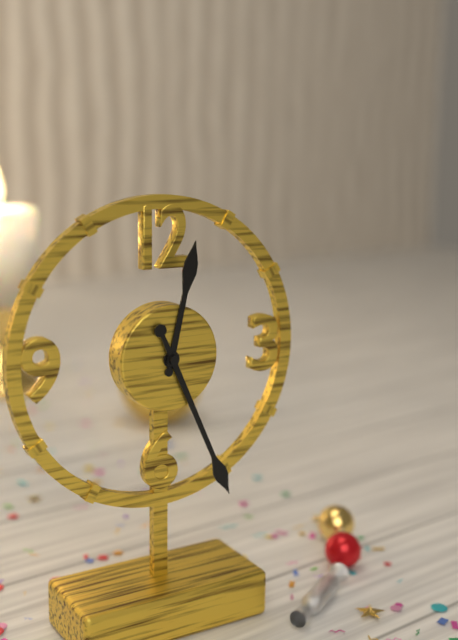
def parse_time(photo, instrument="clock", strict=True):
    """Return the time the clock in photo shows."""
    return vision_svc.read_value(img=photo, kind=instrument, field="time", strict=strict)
12:26
